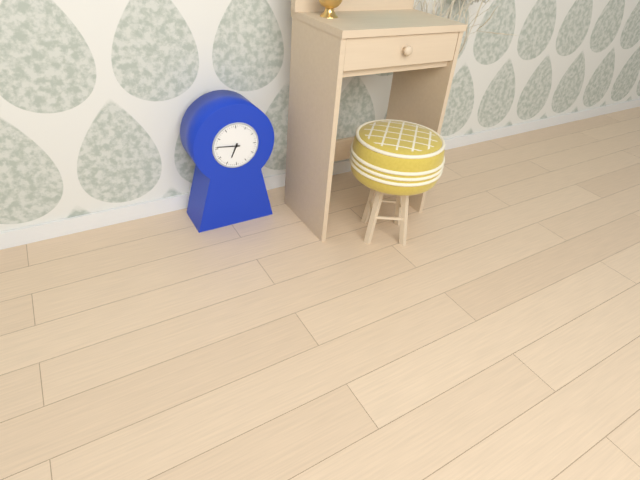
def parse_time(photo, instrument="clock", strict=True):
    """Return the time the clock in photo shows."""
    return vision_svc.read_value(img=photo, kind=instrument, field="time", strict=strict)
6:46
